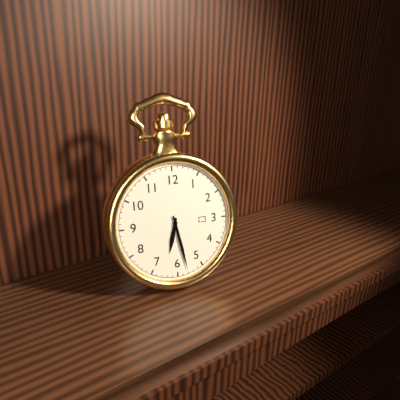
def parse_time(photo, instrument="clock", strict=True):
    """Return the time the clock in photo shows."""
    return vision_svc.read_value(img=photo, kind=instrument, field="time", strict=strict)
6:28
